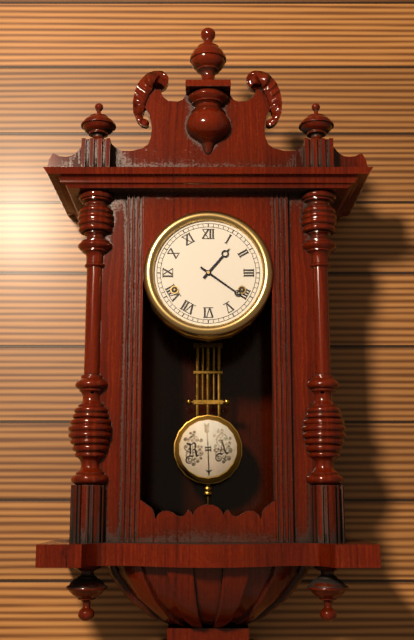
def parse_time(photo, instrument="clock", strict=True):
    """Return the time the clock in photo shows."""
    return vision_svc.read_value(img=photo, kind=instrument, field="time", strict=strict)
1:21
